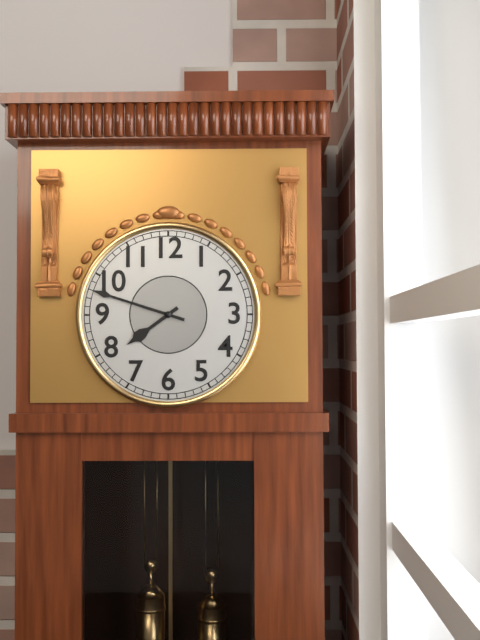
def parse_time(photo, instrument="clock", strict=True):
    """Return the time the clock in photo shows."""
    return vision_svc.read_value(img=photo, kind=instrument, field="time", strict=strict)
7:48
